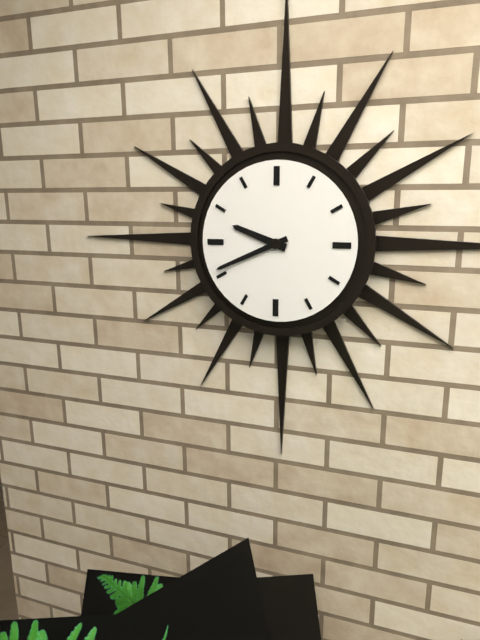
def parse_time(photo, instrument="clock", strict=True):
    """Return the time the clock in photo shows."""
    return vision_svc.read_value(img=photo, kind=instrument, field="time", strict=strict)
9:41
